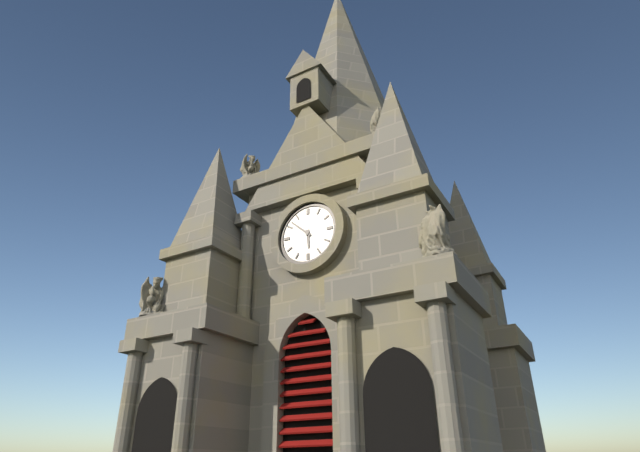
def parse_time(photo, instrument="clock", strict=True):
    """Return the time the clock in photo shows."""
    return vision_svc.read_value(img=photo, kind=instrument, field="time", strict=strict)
5:52
